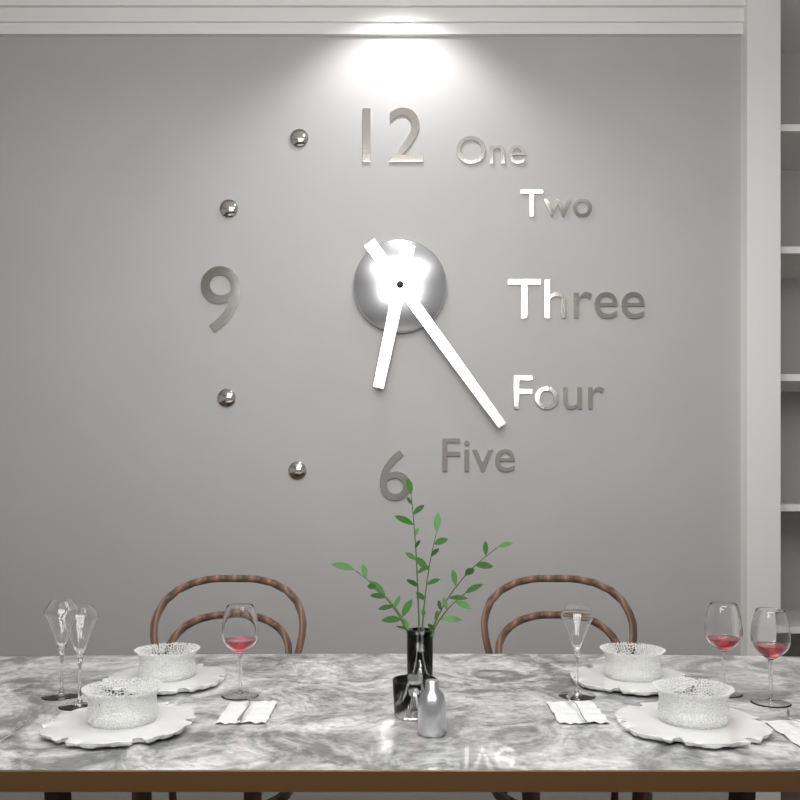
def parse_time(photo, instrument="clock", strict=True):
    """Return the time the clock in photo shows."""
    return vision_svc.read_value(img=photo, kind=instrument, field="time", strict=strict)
6:24
